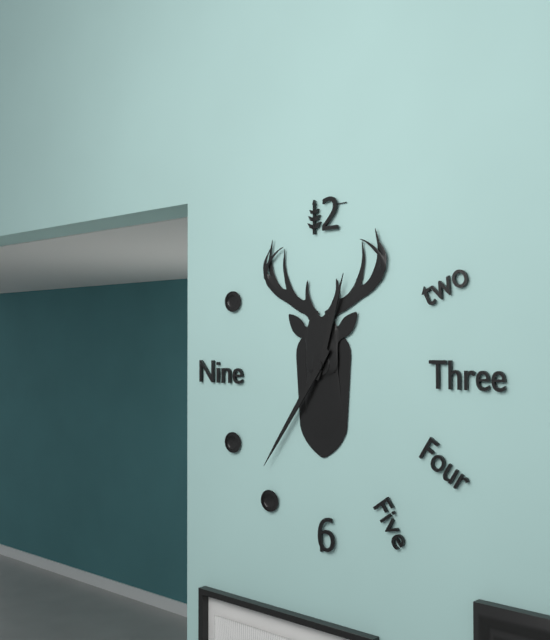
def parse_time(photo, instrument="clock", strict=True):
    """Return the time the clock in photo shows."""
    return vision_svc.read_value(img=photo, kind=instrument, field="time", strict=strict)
12:36
